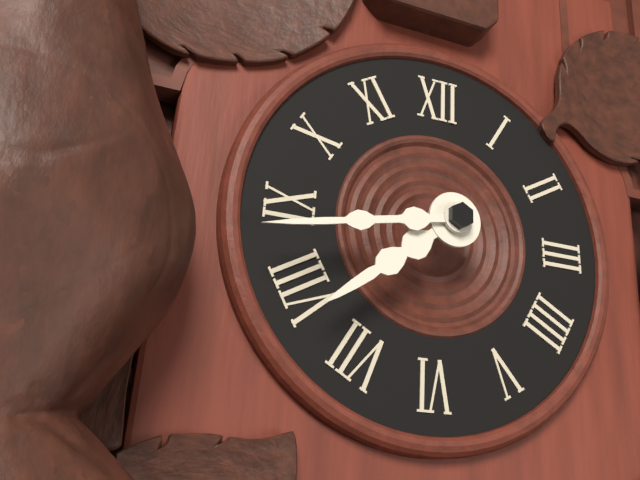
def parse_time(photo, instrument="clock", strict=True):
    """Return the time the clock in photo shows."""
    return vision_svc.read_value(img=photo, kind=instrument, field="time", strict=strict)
7:43
